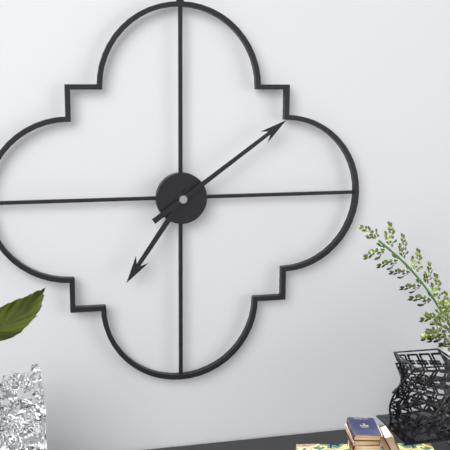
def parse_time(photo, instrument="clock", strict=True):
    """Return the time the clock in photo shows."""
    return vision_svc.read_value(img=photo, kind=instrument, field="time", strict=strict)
7:09
